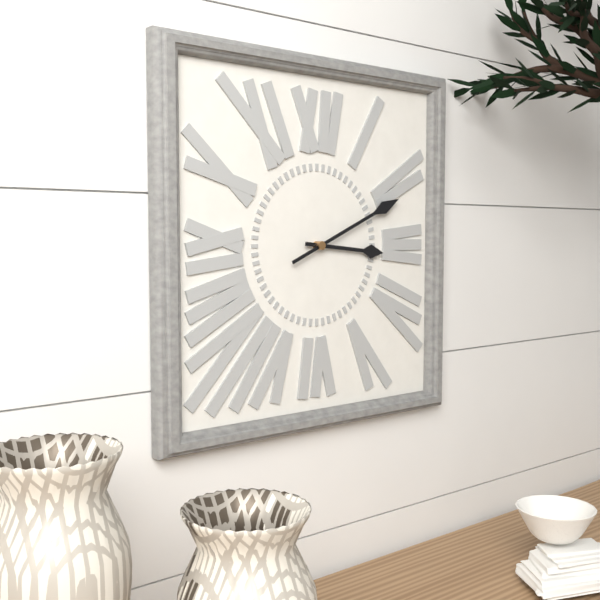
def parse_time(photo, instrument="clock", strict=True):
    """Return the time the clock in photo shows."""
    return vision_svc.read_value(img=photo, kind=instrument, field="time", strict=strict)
3:11
